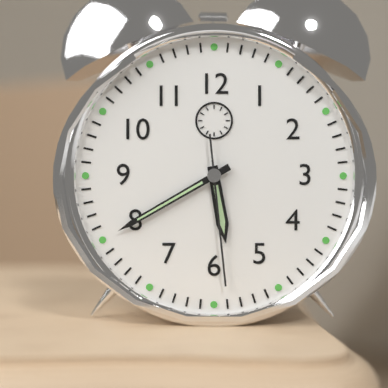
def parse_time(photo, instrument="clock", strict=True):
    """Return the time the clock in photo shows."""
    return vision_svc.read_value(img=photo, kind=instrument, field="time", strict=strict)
5:40:29
